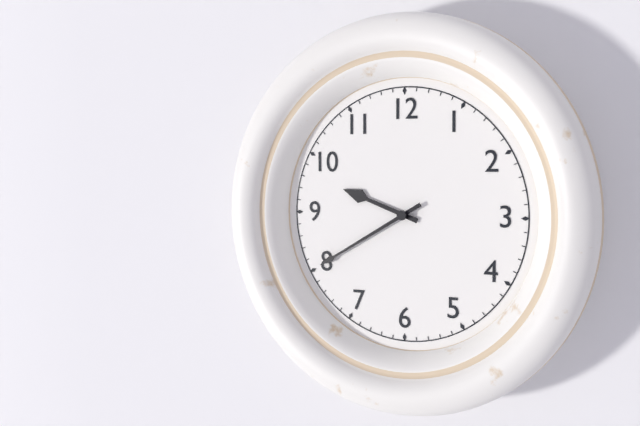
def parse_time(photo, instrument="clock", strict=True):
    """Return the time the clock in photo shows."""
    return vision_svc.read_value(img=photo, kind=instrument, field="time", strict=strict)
9:40
